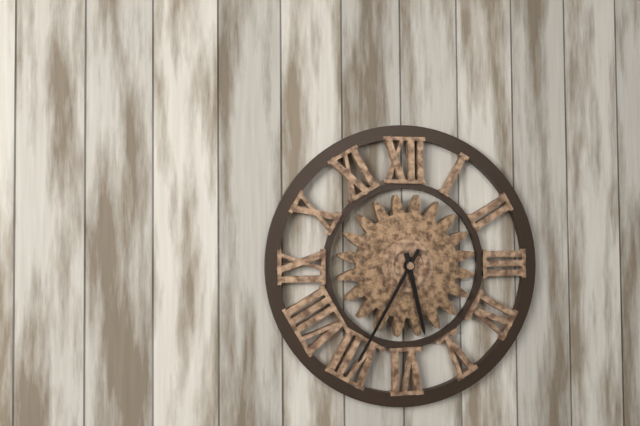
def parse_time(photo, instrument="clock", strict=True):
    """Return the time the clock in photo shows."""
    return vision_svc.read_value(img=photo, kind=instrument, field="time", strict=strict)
5:35
